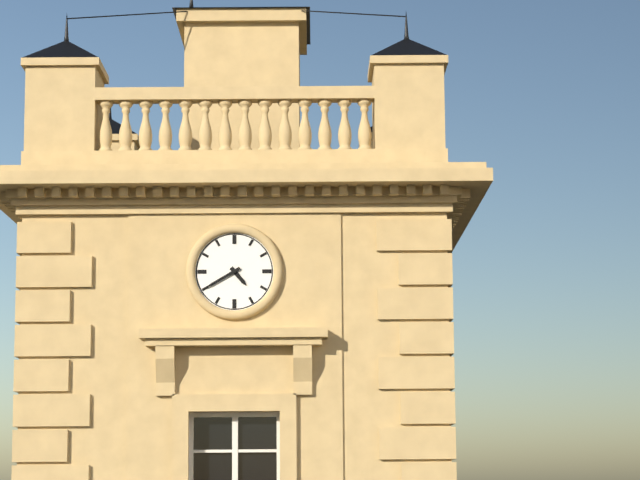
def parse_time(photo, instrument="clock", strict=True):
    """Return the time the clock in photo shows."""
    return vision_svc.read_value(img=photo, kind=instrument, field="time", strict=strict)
4:40
